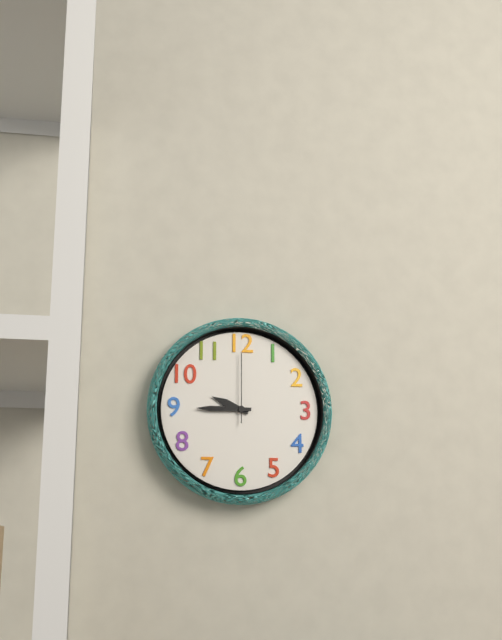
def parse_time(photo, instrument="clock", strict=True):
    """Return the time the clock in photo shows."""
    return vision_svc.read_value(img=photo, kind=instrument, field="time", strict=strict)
9:45:00
